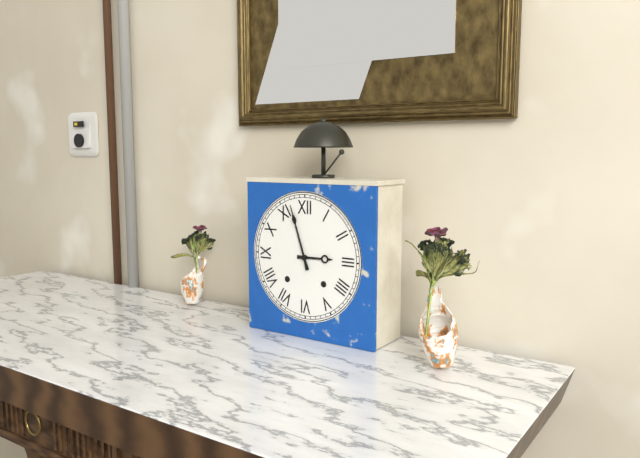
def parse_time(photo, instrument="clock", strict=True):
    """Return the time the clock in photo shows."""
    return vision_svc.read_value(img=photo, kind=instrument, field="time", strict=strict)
2:57
